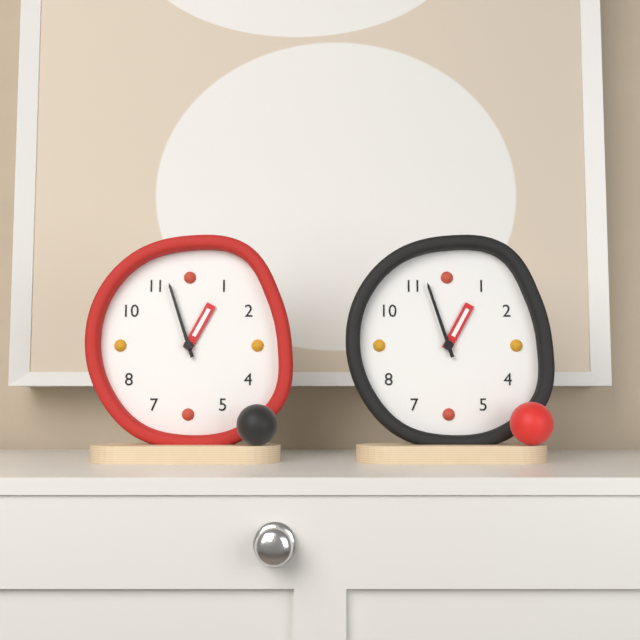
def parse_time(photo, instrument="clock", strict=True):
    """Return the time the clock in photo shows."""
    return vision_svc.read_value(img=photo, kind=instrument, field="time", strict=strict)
12:57
